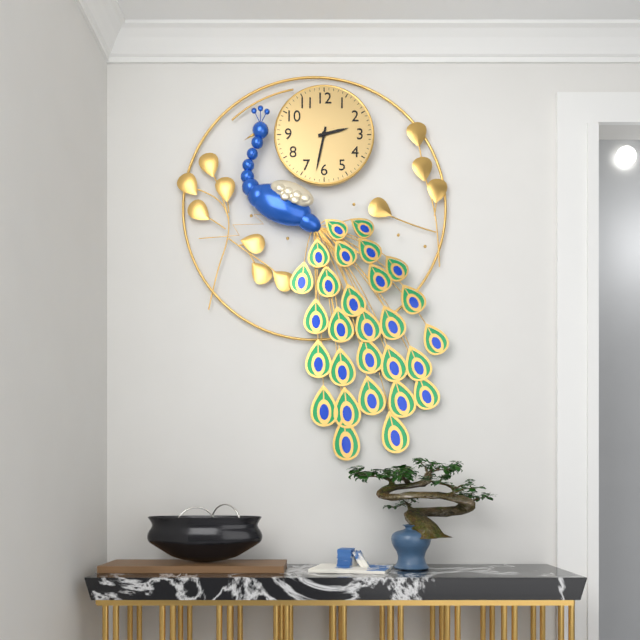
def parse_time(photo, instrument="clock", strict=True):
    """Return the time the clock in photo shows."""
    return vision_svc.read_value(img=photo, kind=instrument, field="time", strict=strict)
2:32
